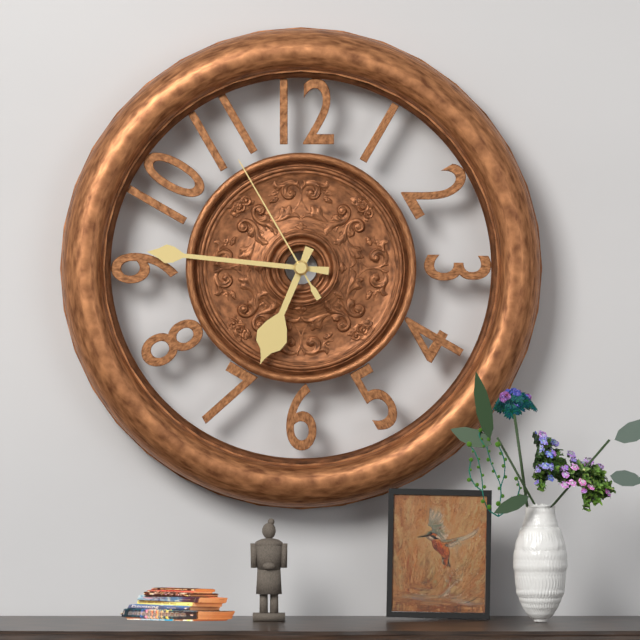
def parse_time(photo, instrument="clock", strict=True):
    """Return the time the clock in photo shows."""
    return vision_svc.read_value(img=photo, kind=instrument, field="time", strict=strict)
6:46:55
